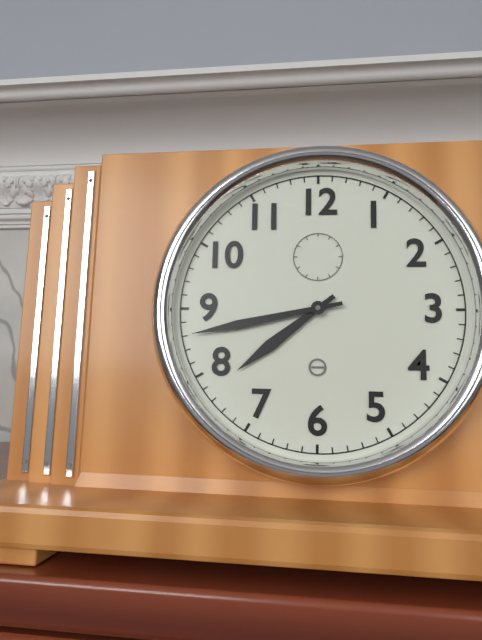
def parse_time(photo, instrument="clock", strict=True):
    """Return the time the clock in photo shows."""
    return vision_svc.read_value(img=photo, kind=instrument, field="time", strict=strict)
7:43
